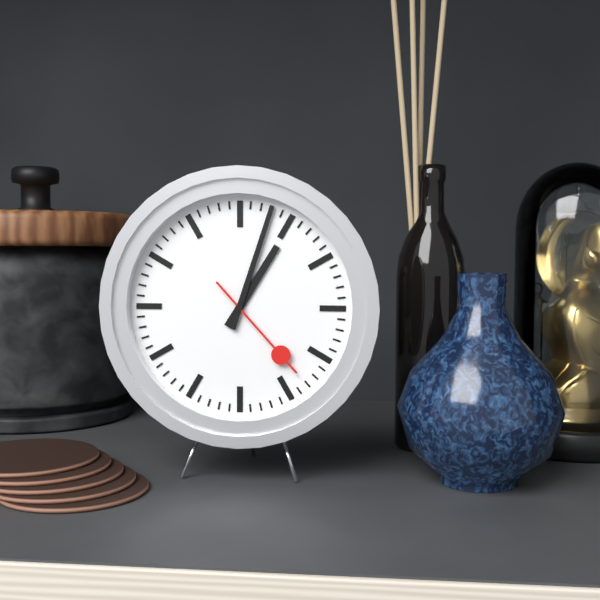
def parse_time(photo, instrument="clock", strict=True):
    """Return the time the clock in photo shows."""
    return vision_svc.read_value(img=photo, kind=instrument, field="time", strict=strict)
1:03:23
